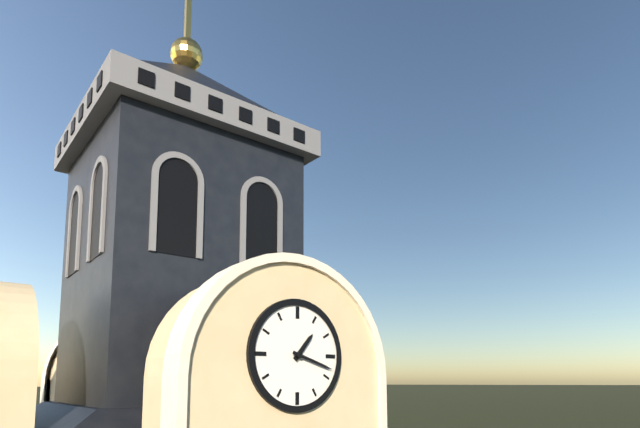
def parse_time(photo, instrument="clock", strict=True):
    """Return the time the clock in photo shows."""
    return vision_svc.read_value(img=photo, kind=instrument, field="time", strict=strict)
1:18
